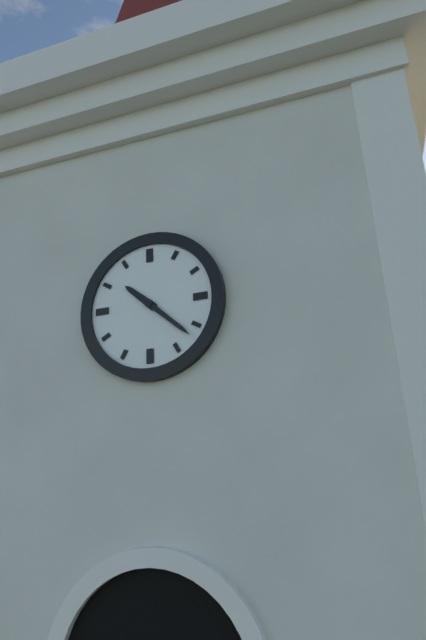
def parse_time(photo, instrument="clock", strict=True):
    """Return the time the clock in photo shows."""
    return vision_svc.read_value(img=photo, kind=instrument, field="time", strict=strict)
10:22
